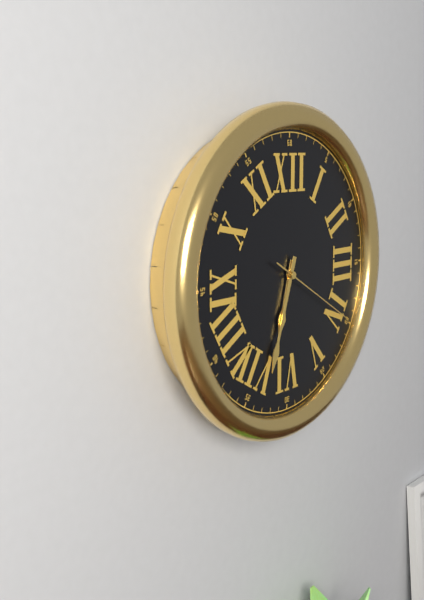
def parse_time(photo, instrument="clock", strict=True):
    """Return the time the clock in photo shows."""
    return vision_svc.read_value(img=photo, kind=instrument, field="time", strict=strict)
6:33:20
